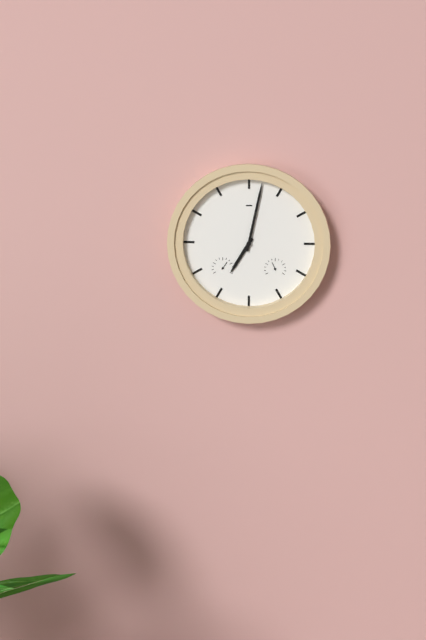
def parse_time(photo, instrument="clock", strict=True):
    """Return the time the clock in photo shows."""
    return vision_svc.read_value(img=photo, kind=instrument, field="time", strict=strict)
7:02
